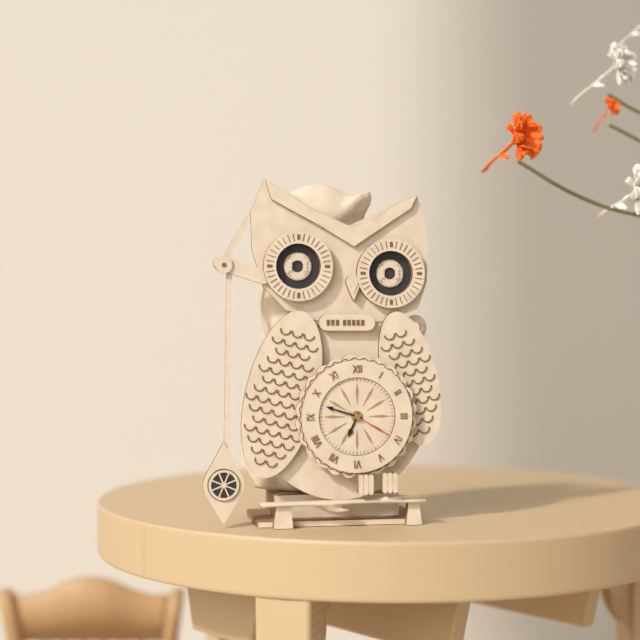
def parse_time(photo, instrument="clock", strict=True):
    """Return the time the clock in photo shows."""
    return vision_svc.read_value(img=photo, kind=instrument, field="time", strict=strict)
6:48
